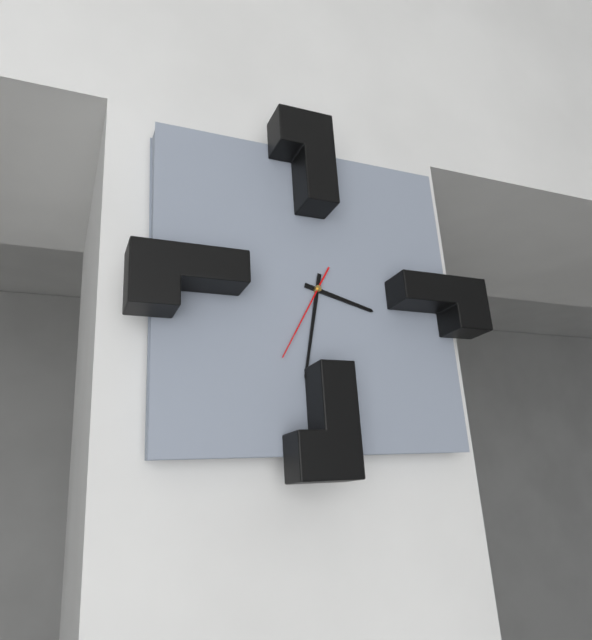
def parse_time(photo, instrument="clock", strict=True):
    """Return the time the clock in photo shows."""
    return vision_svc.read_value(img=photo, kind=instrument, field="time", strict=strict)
3:32:35
